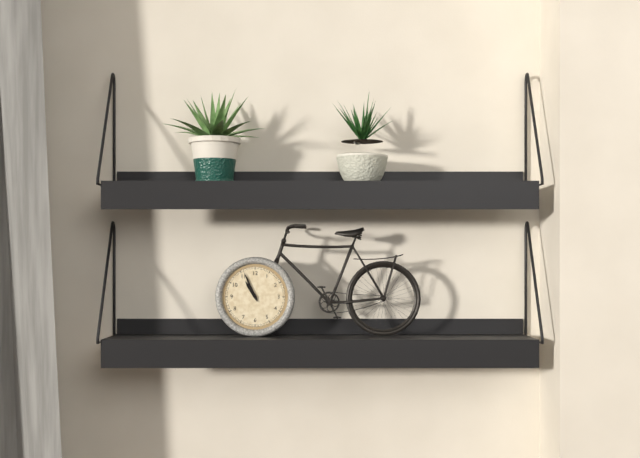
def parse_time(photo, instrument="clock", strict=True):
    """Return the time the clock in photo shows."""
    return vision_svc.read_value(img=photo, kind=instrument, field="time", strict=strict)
10:56
